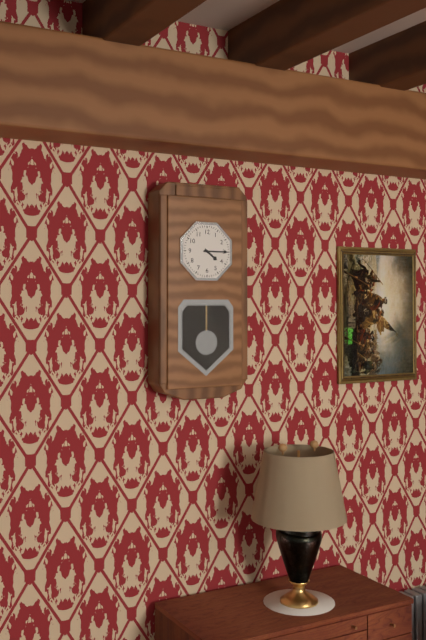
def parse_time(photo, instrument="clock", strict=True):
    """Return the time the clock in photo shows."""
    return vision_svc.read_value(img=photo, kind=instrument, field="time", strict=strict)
4:15
